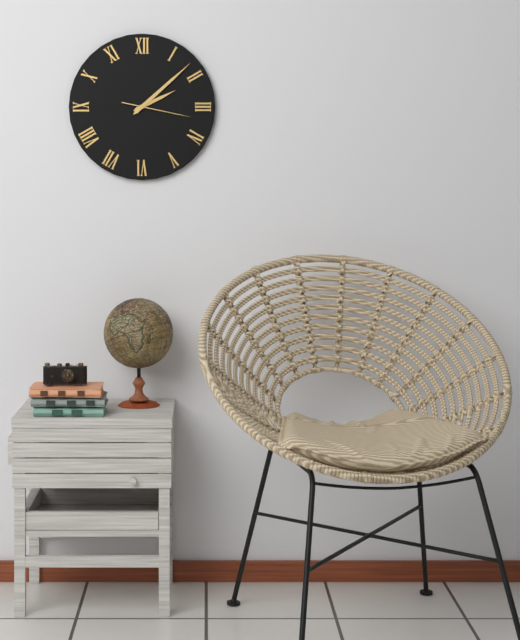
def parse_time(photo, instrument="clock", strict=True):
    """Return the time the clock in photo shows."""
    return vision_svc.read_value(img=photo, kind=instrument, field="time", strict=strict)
2:08:17
